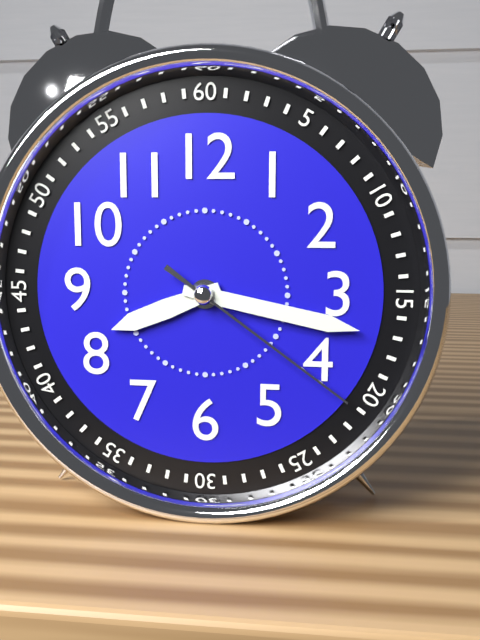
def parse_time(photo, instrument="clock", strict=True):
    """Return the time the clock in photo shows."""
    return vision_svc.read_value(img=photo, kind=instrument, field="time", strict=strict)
8:17:21
